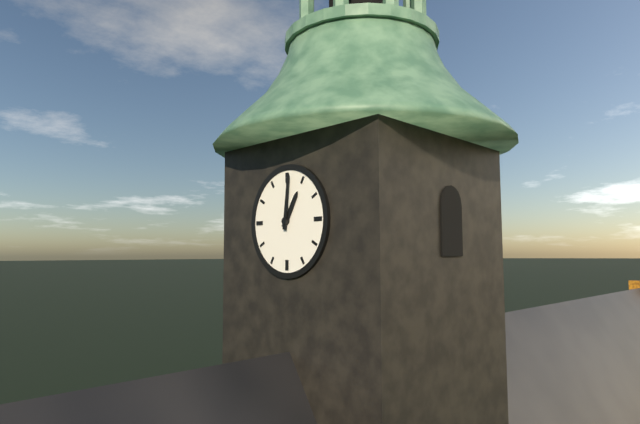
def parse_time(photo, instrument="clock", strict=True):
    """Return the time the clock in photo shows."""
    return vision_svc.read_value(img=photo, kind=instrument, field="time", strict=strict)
1:01
